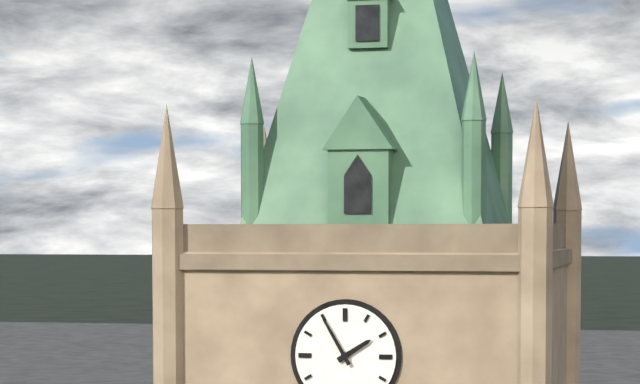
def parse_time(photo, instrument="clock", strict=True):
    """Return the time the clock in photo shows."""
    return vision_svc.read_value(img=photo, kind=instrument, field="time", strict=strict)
1:55
